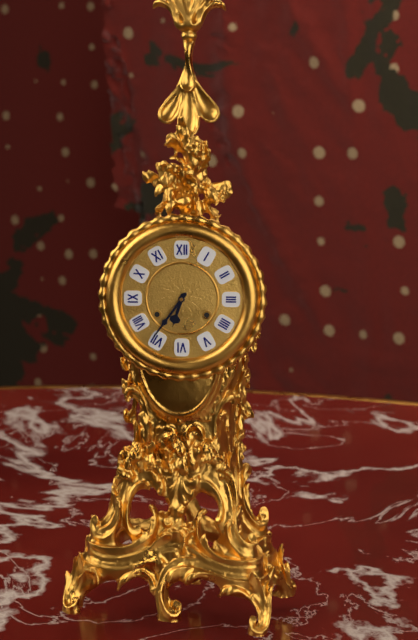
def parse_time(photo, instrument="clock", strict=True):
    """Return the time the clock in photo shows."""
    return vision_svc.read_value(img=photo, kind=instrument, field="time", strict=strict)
6:36
